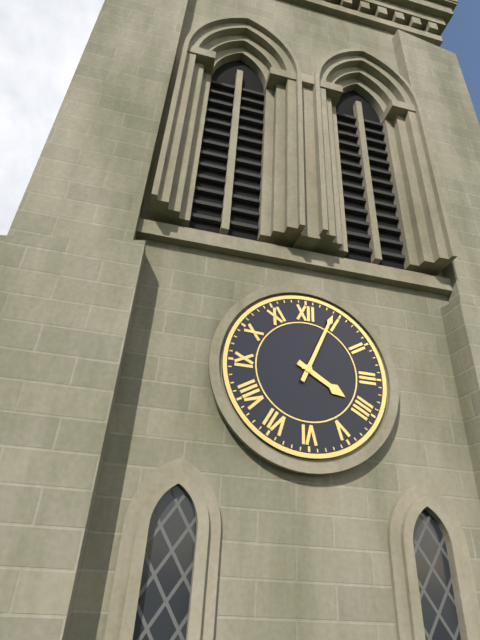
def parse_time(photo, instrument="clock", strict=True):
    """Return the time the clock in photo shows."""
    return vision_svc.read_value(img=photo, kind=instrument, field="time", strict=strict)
4:04
